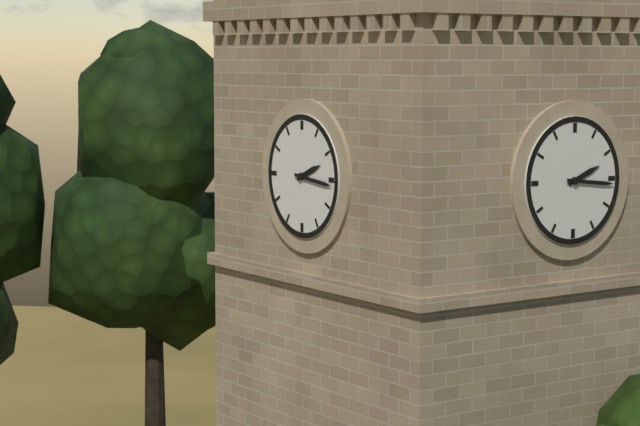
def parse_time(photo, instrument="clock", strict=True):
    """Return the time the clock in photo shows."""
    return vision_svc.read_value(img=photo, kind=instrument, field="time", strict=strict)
2:16
